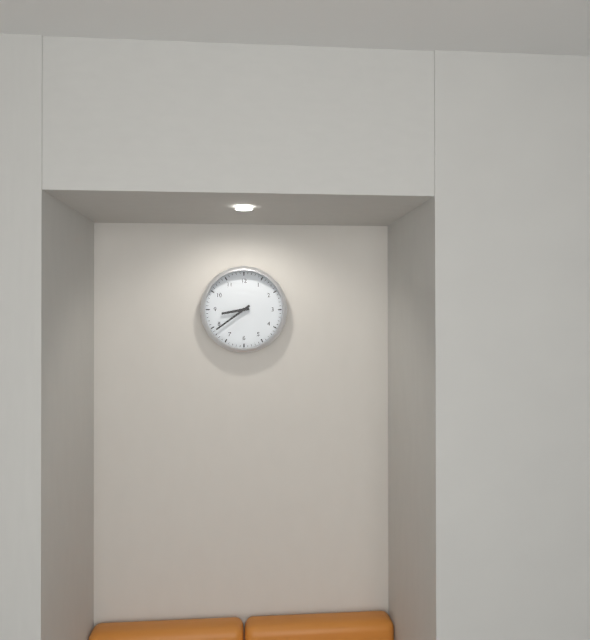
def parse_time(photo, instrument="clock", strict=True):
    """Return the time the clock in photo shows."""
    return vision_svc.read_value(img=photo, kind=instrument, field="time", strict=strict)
8:39
